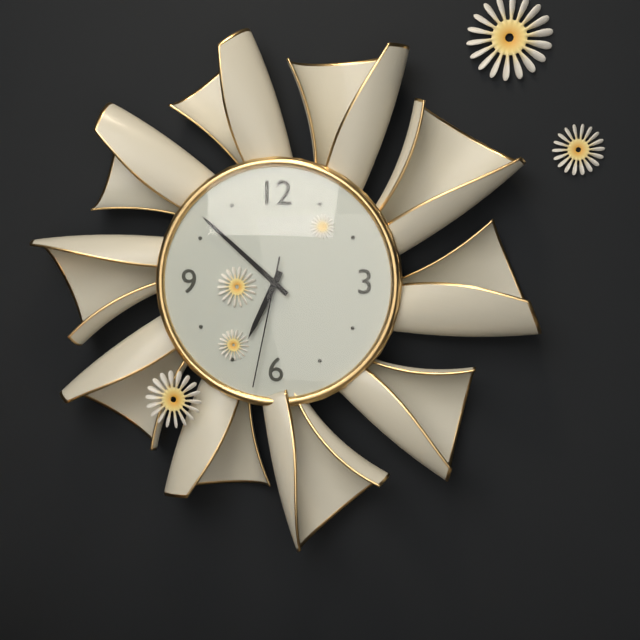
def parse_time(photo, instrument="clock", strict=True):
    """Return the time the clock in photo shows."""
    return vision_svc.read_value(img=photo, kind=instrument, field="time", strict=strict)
6:52:32
